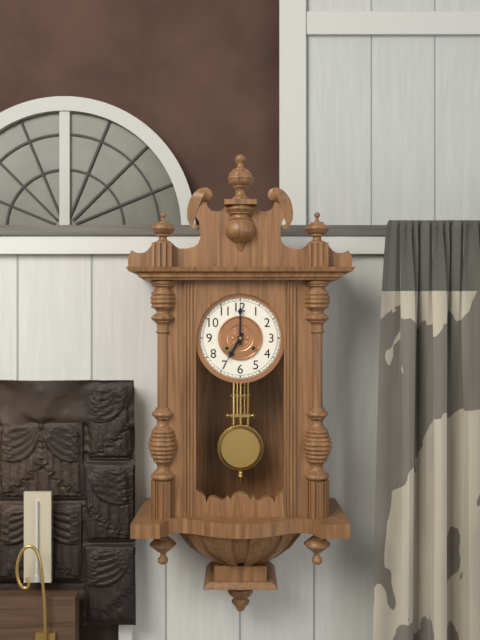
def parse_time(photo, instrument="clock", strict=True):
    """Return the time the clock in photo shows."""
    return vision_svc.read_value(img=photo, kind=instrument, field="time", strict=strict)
7:00
